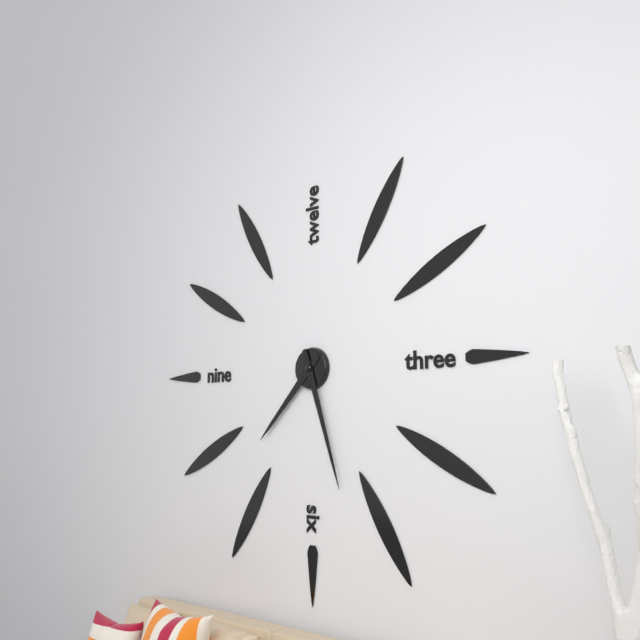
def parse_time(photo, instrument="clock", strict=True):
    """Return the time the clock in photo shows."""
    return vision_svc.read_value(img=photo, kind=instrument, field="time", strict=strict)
7:27
